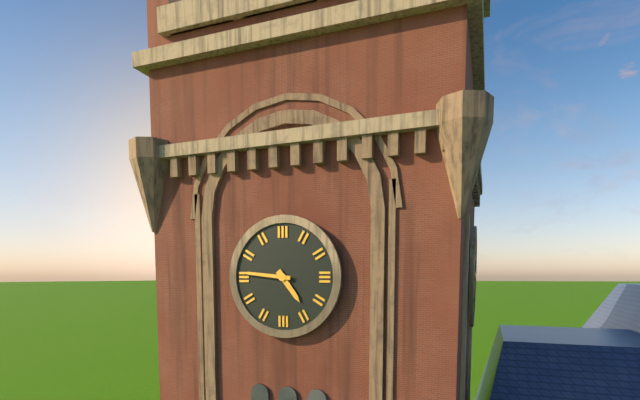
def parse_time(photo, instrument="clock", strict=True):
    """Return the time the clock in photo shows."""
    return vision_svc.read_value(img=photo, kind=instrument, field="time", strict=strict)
4:46
